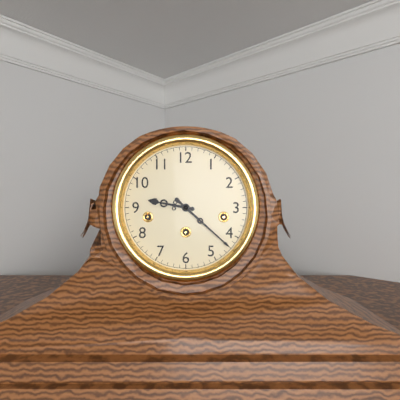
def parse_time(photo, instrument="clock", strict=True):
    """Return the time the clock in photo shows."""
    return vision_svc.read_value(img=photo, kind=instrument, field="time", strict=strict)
9:22
